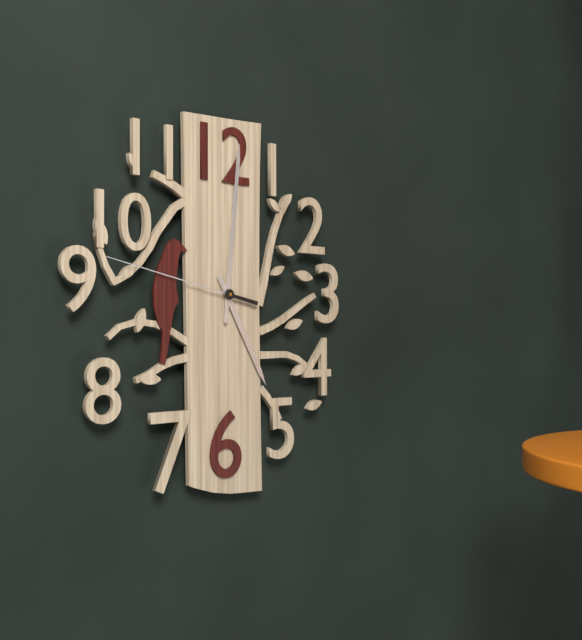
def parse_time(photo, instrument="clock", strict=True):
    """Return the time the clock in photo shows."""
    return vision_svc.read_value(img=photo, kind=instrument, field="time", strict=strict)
5:01:47
